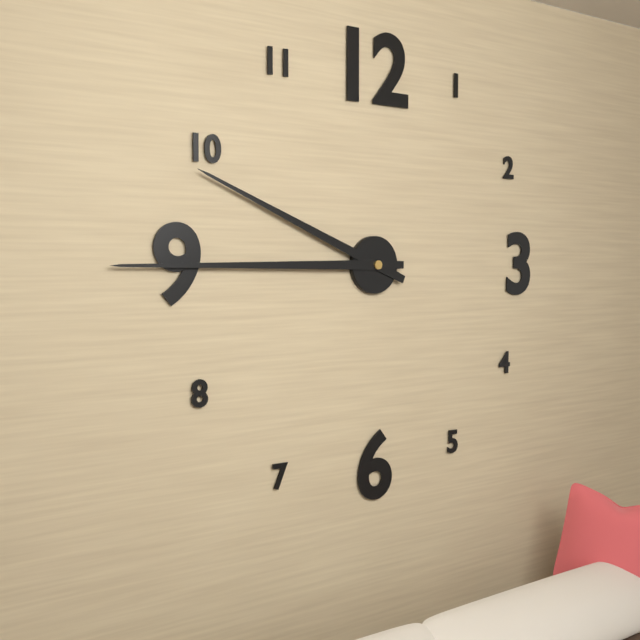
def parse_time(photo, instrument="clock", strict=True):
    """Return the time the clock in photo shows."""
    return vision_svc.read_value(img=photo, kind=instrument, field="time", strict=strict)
9:45
